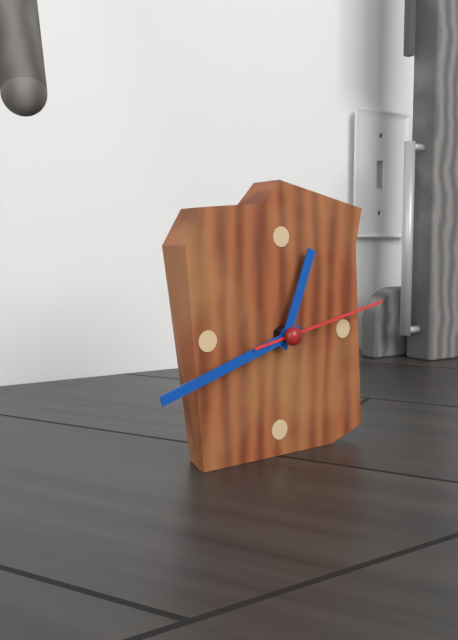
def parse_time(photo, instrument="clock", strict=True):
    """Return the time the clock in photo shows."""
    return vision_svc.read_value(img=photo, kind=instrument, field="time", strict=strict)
12:42:13
